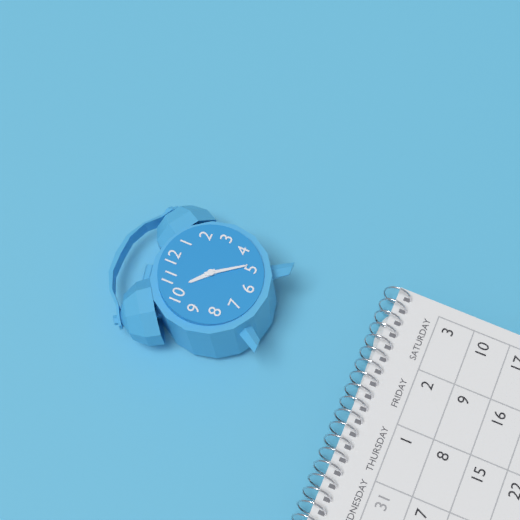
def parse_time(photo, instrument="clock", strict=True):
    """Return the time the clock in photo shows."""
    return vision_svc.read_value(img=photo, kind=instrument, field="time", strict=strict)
10:24
